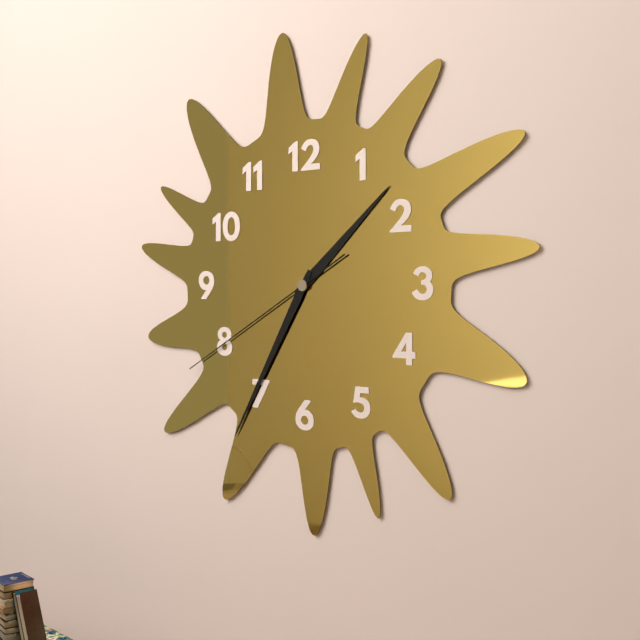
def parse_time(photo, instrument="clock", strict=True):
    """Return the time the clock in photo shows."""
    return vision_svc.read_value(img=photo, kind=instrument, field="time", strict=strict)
1:35:40
